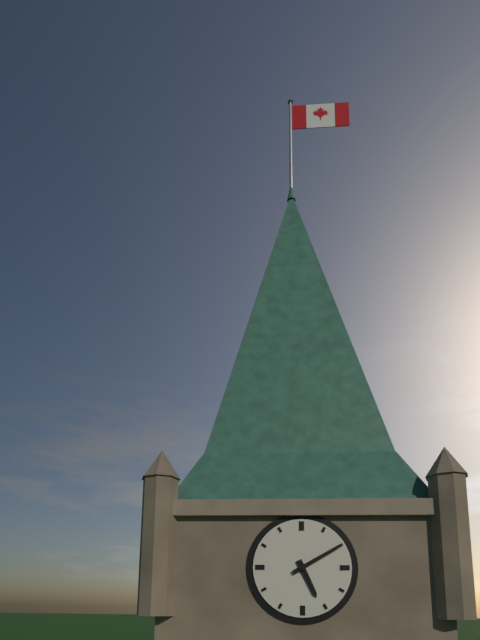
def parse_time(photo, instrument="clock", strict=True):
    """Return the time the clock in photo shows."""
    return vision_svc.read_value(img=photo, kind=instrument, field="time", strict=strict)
5:10
